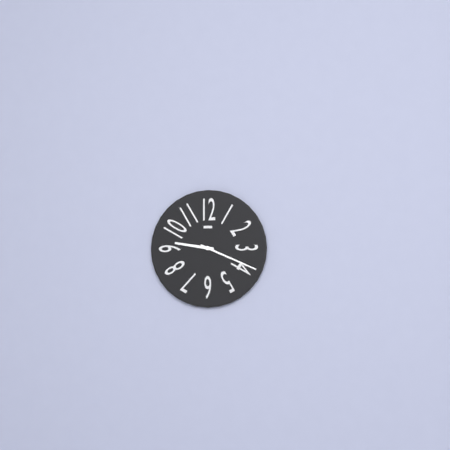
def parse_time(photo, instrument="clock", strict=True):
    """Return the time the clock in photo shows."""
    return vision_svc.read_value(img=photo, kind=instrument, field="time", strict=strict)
9:19
